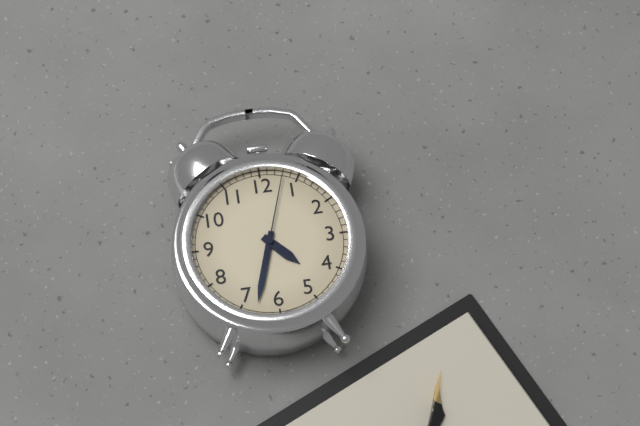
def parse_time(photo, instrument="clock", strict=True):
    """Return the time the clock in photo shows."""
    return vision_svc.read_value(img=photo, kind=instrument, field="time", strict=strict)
4:33:03
